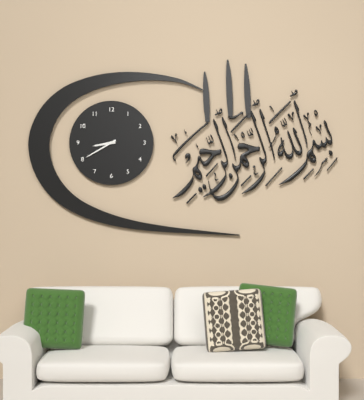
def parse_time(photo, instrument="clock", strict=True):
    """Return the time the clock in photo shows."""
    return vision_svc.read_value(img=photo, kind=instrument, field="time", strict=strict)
8:40
